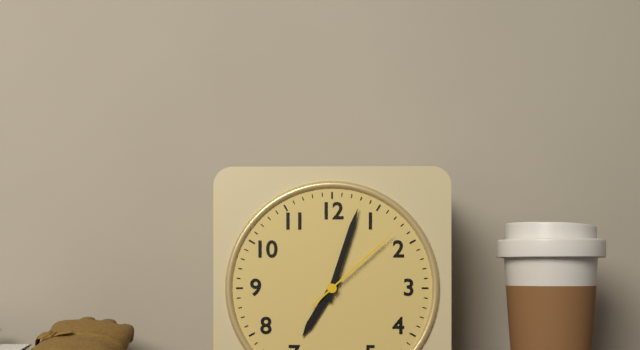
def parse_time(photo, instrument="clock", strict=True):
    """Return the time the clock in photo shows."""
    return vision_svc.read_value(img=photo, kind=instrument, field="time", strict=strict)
7:03:08
